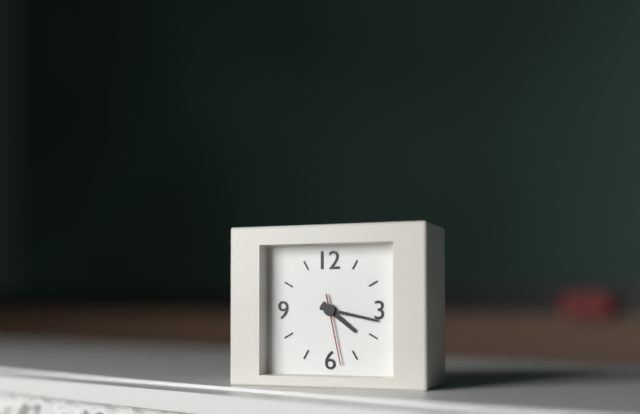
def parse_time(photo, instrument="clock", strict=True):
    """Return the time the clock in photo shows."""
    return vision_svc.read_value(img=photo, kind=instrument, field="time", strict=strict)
4:17:28
